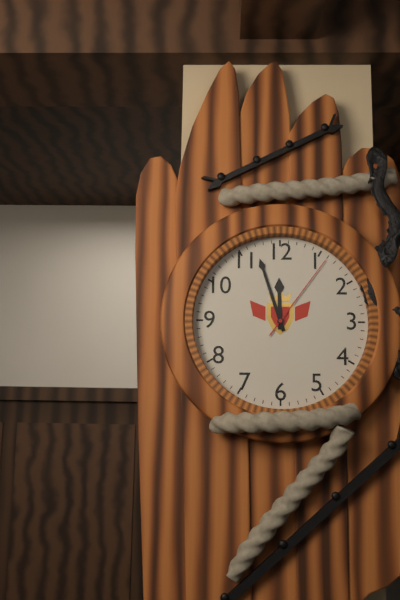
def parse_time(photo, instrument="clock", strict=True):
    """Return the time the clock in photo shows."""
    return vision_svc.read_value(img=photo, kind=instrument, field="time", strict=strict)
11:57:06
